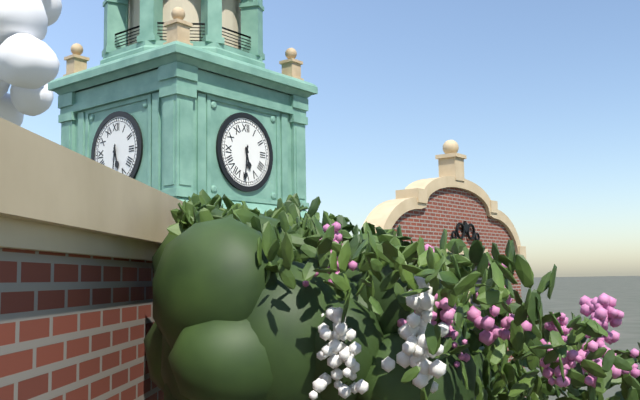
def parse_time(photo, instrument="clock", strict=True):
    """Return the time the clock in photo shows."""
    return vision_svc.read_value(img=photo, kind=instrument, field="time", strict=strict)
5:31
